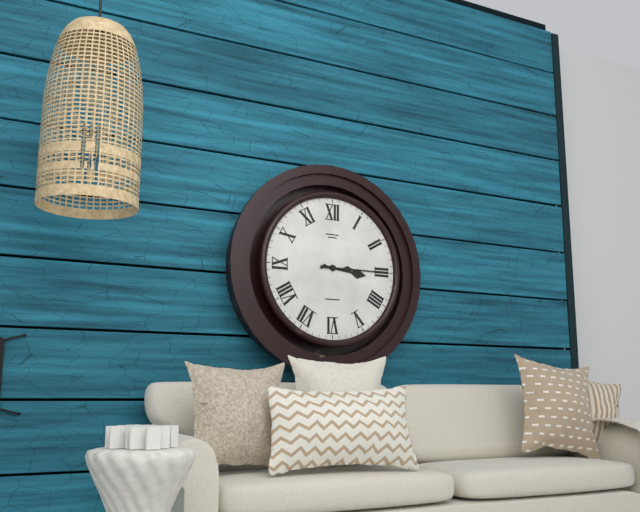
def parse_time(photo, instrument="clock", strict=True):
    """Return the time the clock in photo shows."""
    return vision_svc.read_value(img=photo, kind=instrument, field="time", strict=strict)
3:15
